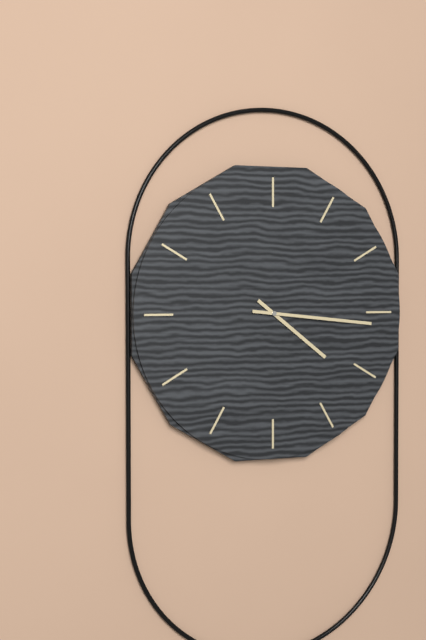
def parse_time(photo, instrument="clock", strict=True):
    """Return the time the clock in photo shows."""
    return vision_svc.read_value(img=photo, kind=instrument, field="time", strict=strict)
4:16
